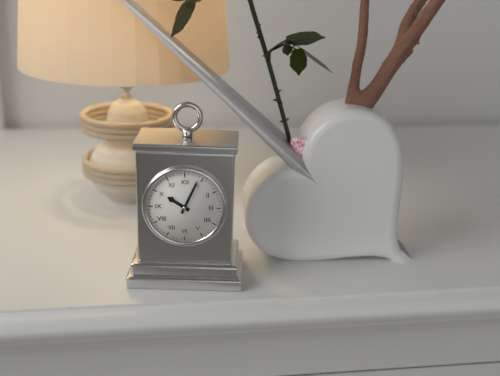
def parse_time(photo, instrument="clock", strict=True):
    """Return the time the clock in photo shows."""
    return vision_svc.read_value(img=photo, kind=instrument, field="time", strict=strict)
10:04
